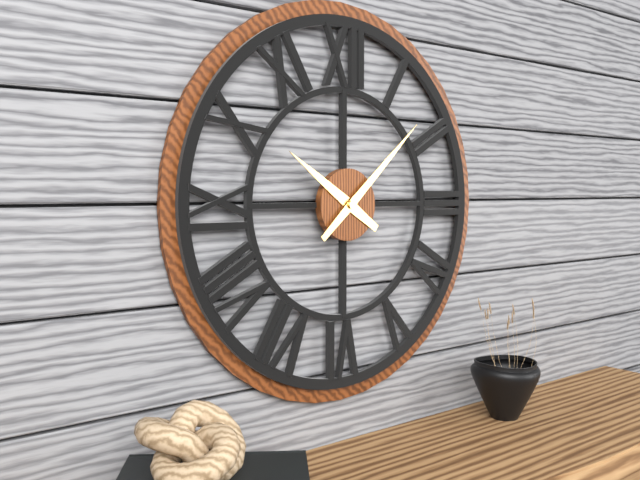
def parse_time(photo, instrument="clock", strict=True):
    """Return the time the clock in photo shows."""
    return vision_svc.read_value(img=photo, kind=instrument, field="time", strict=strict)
10:08
